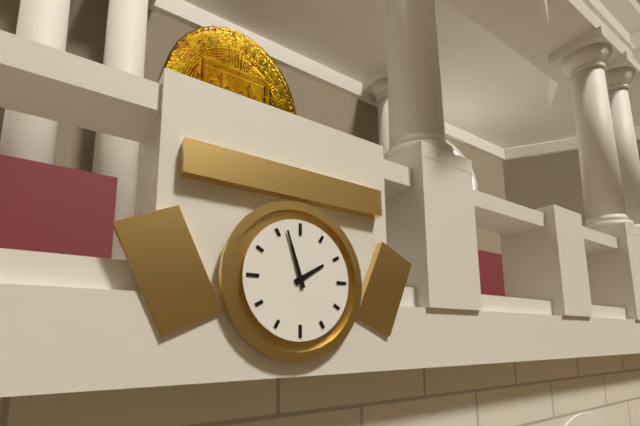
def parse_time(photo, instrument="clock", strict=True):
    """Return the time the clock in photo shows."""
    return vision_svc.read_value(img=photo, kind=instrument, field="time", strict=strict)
1:57
